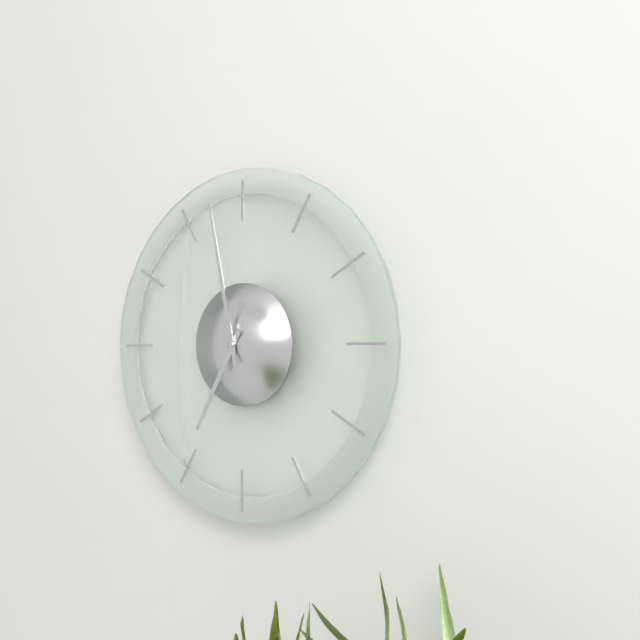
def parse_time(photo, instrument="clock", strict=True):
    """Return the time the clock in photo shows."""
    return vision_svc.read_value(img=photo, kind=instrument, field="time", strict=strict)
6:58
